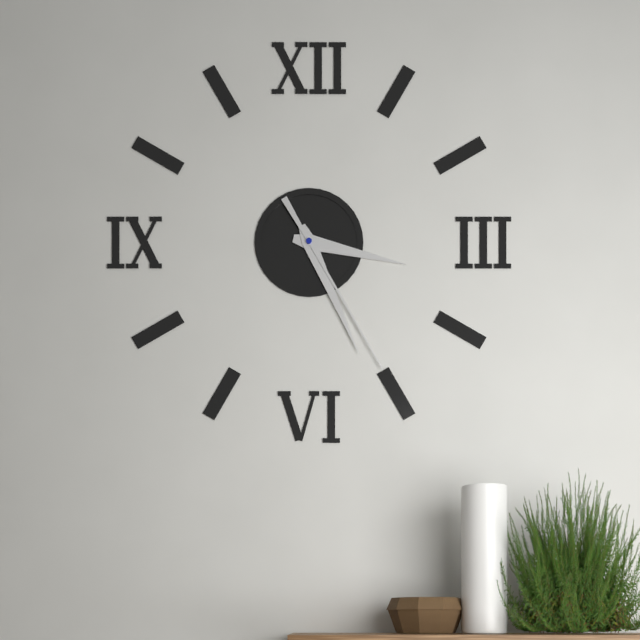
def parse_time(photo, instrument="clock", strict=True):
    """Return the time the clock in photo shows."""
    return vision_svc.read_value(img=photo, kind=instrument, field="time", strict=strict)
3:26:25
